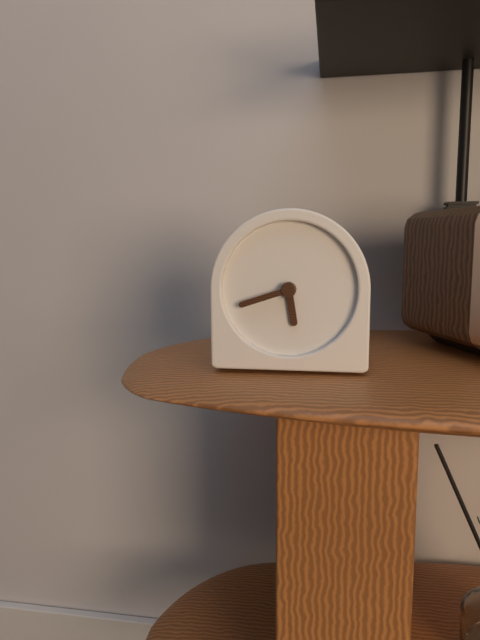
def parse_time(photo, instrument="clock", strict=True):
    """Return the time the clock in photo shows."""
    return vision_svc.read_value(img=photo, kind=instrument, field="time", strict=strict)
5:42
